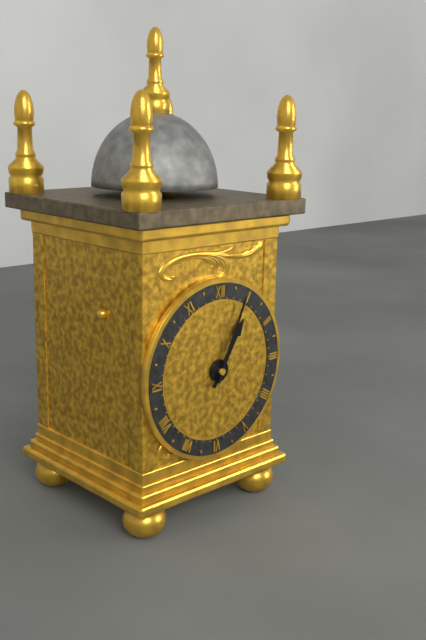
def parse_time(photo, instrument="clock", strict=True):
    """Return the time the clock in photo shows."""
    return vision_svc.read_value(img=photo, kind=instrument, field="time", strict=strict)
1:04
